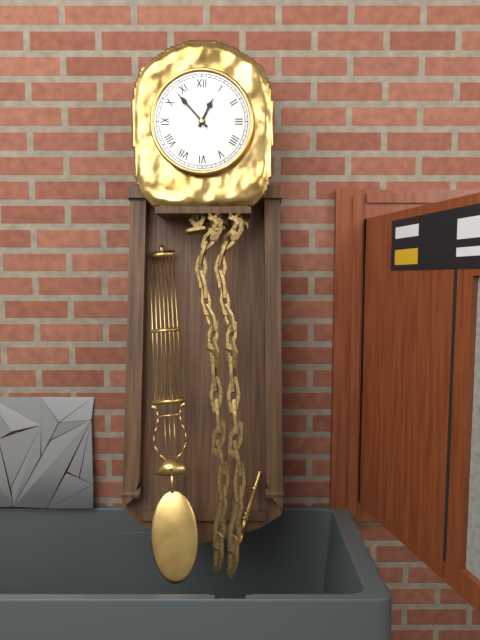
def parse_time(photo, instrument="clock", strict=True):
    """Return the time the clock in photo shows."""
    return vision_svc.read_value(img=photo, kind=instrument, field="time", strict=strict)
12:53
